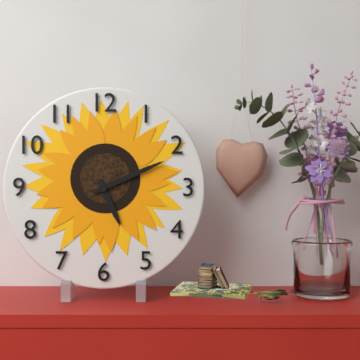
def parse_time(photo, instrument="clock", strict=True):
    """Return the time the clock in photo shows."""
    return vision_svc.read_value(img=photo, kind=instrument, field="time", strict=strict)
5:11
